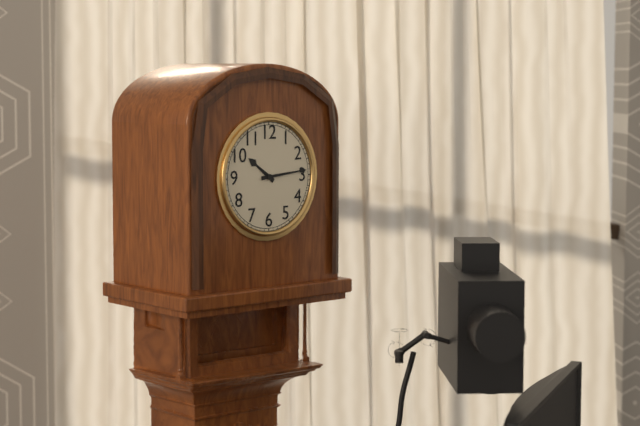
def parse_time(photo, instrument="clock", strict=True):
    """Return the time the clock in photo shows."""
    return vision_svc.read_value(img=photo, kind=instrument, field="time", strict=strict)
10:14
